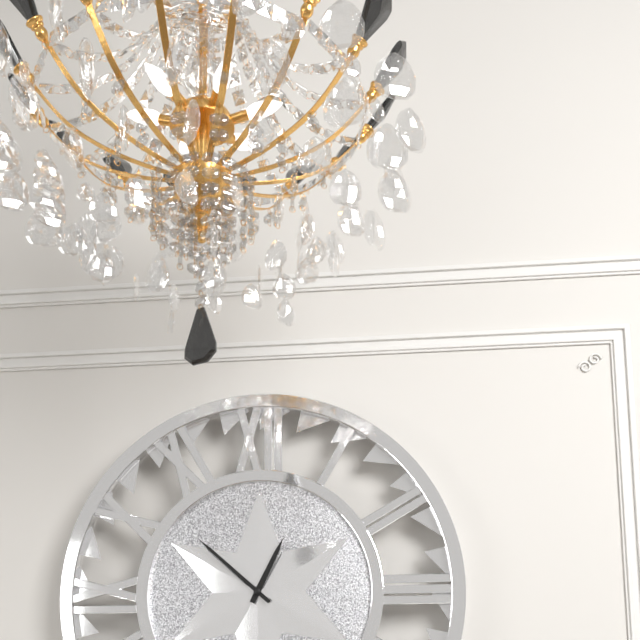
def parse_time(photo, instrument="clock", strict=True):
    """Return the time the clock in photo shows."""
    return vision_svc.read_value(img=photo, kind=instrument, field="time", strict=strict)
12:52
